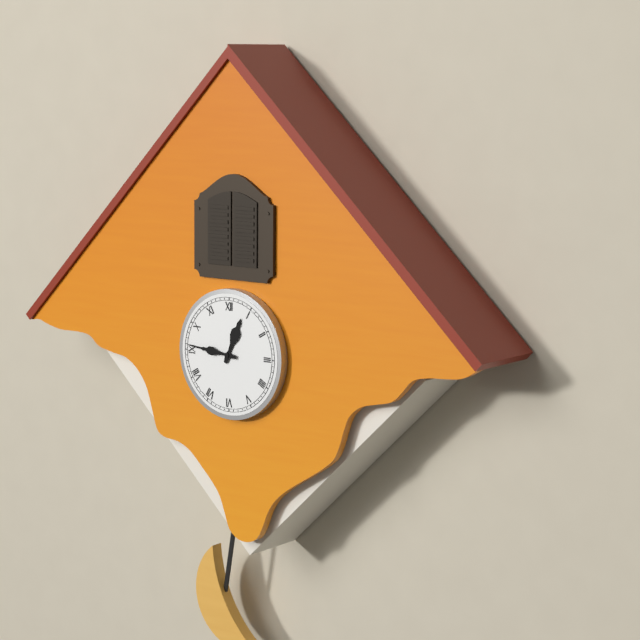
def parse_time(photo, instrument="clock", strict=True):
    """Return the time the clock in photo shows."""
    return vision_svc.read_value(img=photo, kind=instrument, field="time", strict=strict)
12:46
